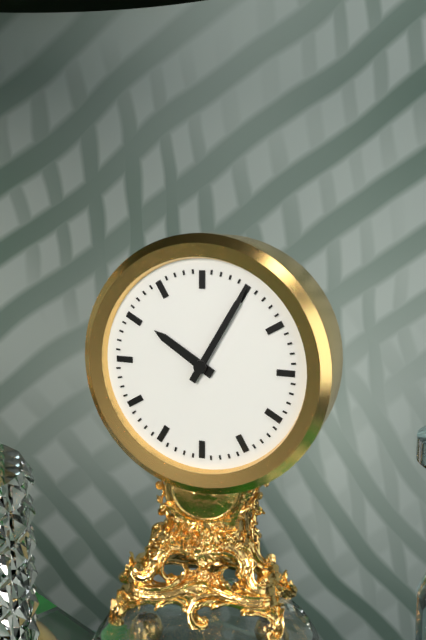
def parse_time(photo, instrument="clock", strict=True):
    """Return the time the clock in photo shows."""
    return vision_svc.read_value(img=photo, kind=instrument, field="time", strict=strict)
10:05
